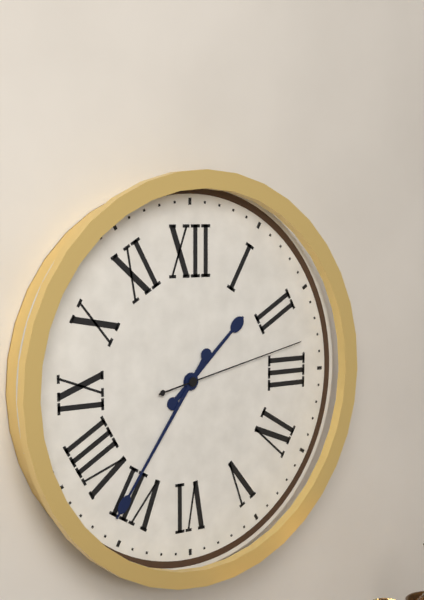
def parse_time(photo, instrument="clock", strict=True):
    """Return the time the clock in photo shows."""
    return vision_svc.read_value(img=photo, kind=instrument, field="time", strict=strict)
1:36:13
